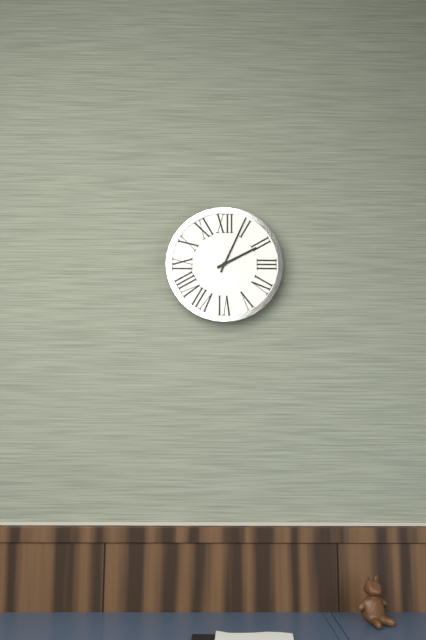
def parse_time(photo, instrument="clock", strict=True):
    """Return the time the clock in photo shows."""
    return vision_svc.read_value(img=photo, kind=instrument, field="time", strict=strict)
2:04
